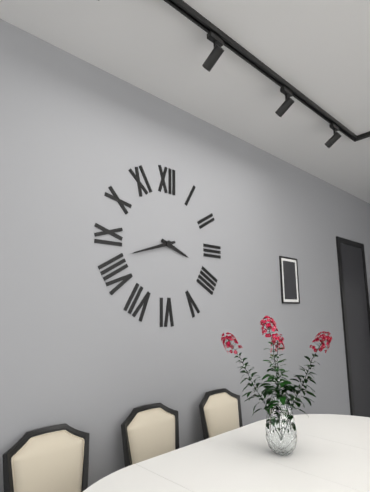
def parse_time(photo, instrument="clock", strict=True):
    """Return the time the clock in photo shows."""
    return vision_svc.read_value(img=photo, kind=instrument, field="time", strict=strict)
3:42
